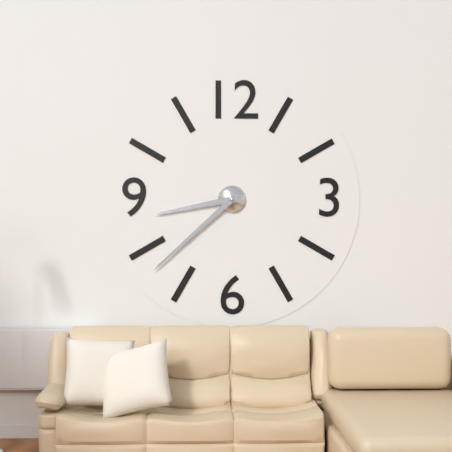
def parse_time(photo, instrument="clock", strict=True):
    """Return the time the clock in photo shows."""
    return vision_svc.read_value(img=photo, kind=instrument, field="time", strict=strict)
8:38
